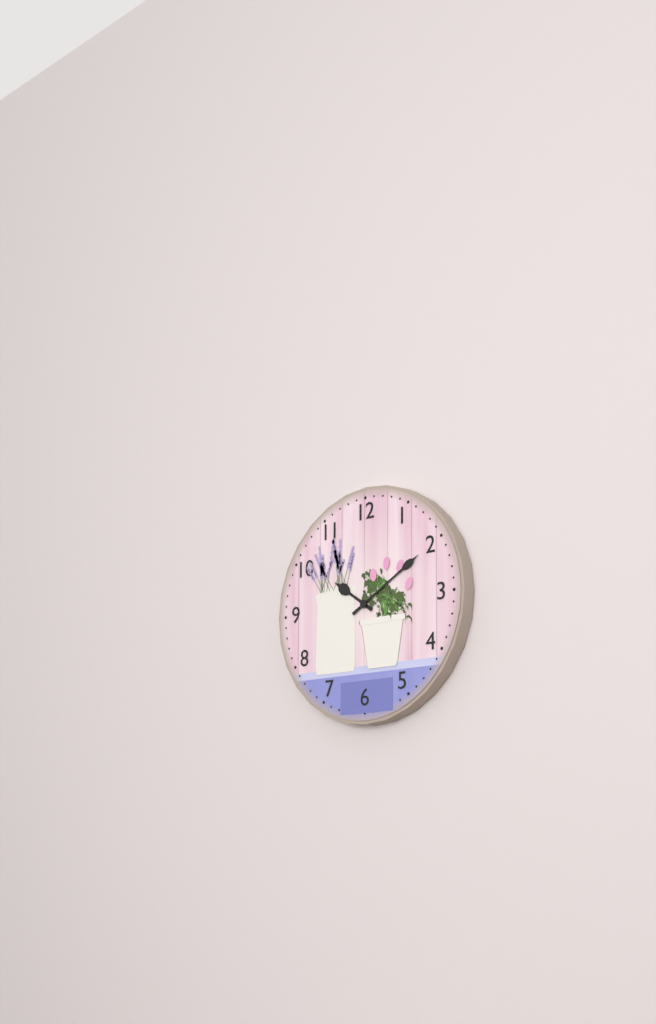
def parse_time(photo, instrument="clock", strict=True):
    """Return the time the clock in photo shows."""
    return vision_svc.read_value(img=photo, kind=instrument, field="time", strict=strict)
10:10
